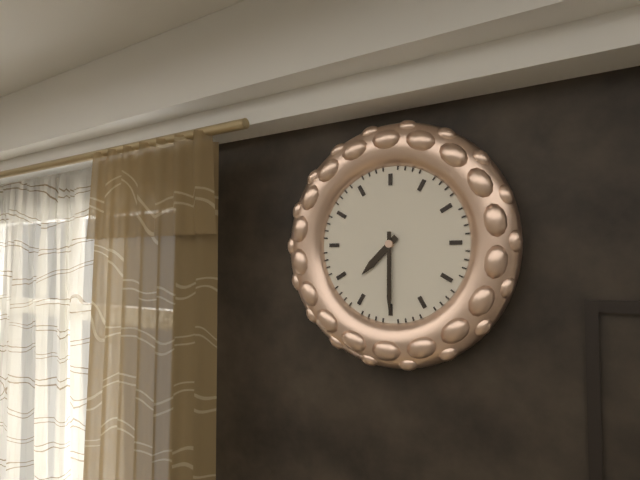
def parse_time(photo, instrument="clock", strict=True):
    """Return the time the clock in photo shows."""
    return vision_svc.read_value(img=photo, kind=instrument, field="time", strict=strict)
7:30
